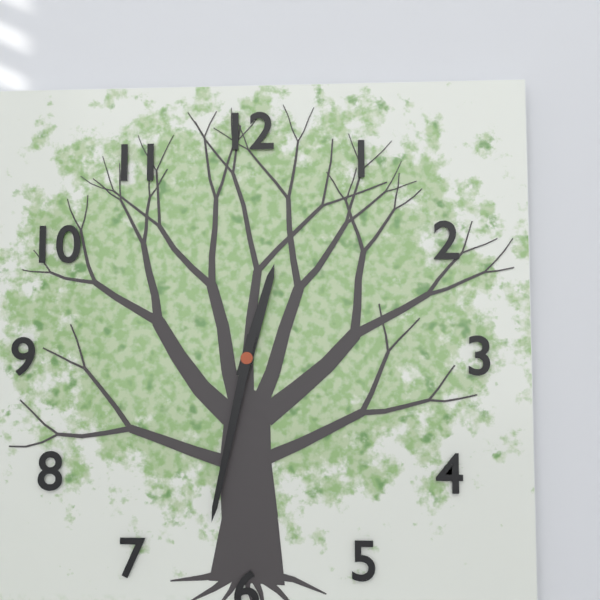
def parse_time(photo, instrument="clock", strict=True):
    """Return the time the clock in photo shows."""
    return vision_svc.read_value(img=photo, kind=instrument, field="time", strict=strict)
12:32
